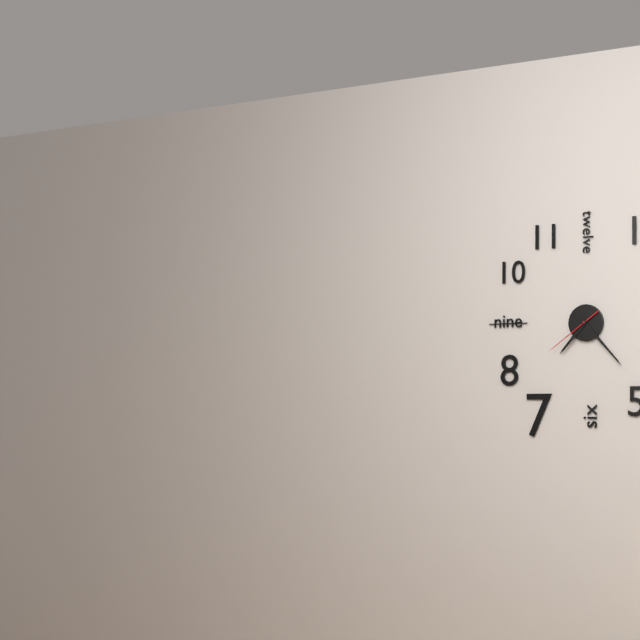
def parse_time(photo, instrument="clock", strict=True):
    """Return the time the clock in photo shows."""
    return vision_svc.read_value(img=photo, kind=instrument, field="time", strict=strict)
7:23:39
